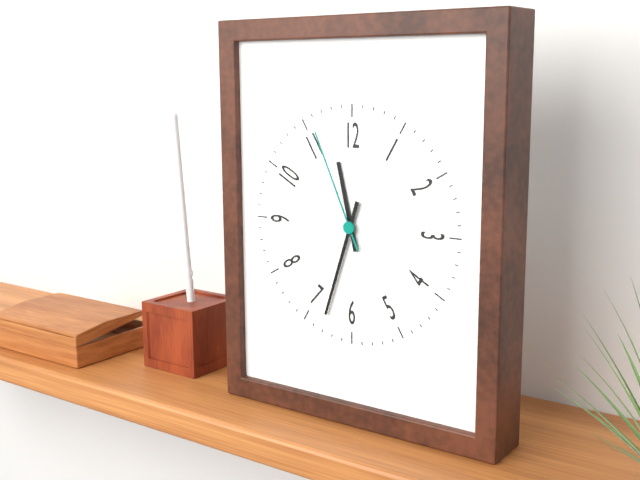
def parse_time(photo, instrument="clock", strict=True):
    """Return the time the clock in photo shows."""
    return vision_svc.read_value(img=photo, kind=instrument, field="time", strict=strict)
11:33:56
